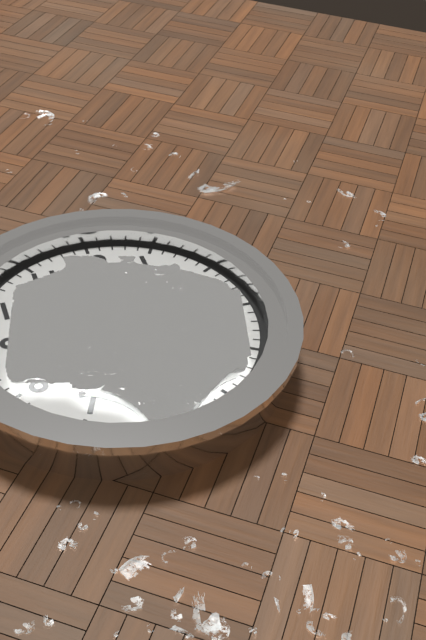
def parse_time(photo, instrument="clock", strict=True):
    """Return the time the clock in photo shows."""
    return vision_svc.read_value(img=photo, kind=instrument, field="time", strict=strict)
4:58
